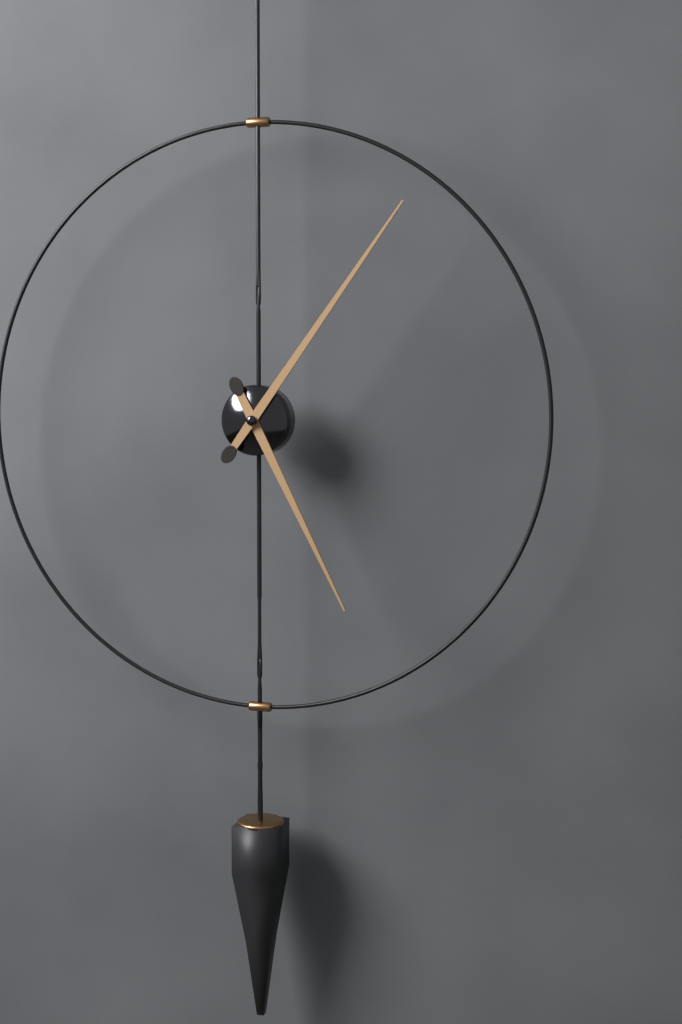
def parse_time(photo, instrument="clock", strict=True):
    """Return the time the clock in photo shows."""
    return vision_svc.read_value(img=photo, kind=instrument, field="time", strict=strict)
5:06
